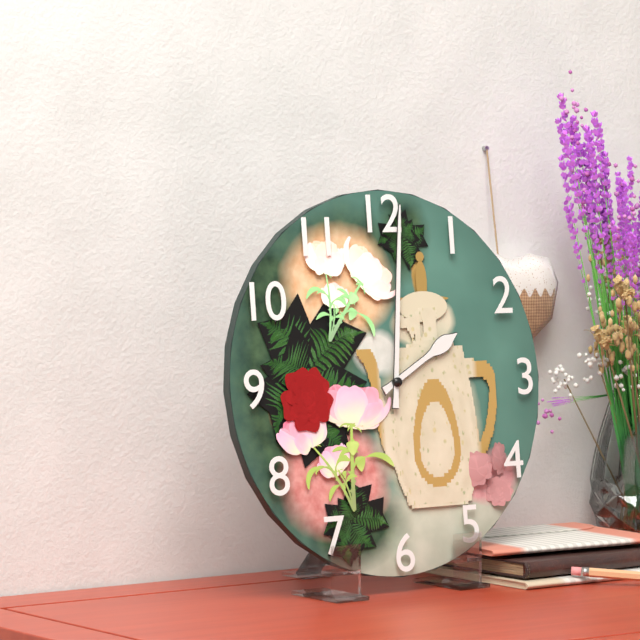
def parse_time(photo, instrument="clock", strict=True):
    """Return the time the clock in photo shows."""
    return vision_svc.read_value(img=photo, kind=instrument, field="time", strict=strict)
2:01
